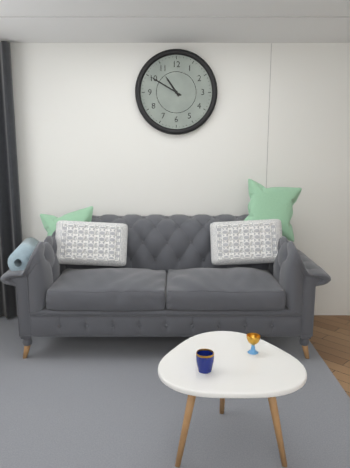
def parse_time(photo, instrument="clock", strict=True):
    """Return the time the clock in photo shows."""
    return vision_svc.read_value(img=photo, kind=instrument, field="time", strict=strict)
10:50
